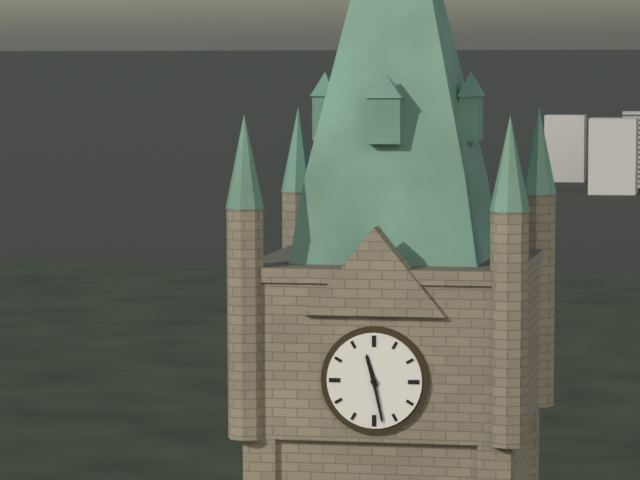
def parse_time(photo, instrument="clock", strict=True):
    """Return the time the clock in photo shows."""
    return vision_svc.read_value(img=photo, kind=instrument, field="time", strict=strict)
11:28
